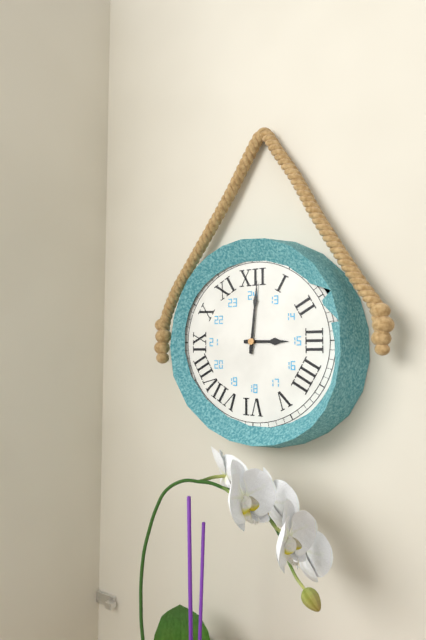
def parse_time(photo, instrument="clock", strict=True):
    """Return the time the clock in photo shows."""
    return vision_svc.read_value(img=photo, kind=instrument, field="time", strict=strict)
3:01
